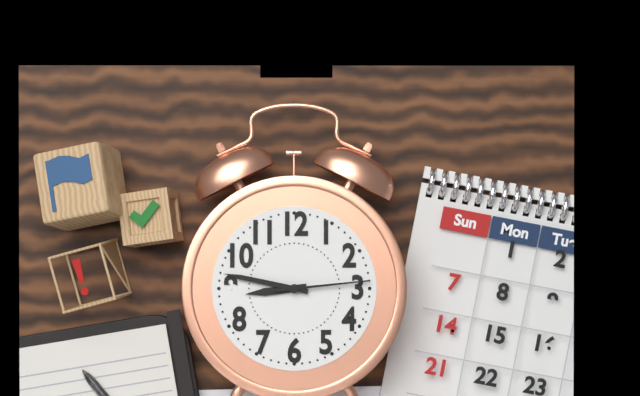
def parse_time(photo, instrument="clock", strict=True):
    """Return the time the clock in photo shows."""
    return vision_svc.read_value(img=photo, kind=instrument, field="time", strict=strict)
8:47:14
